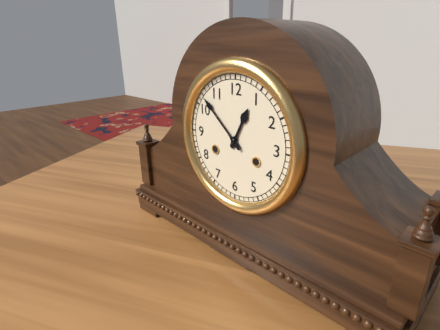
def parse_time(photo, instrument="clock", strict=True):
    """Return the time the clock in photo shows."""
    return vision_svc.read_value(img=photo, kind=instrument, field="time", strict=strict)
12:52
